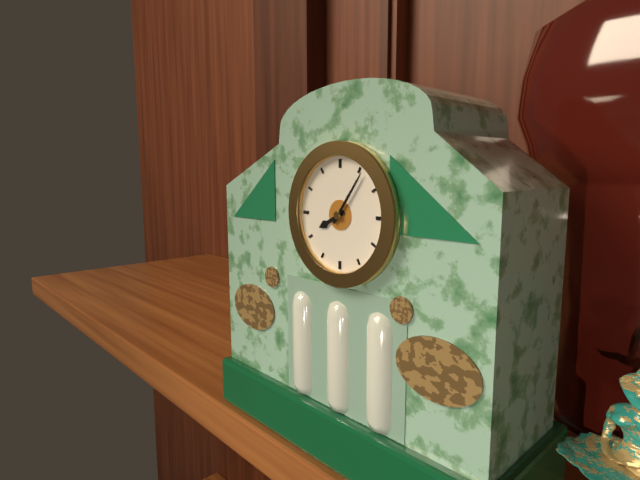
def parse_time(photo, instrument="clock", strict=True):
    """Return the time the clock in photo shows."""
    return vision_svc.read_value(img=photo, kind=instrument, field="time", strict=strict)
8:06
